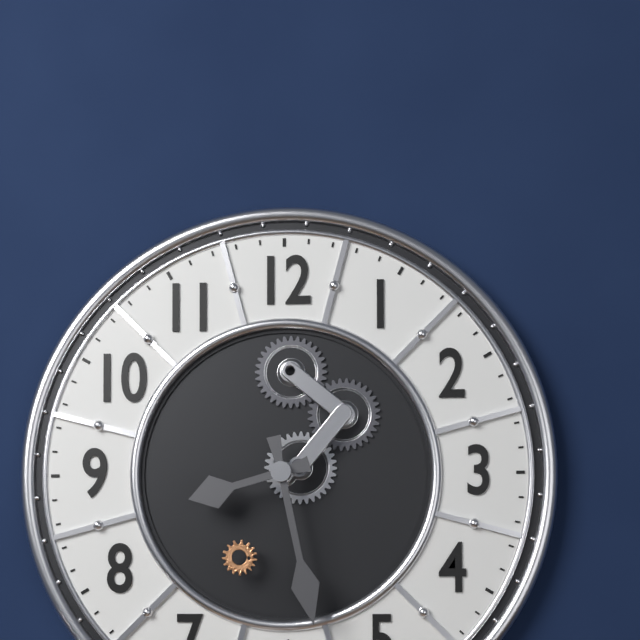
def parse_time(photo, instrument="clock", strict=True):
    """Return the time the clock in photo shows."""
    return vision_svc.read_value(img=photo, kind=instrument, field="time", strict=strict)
8:28
